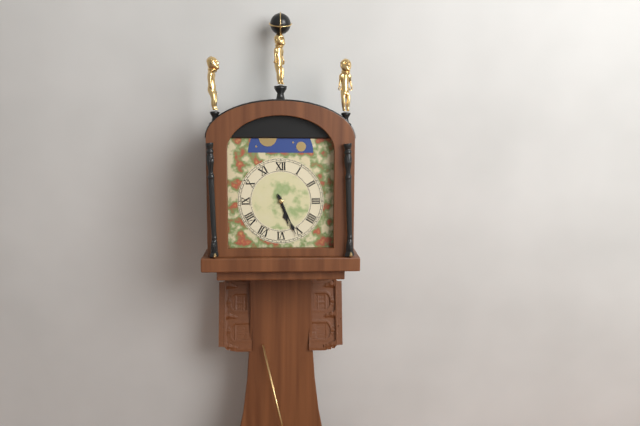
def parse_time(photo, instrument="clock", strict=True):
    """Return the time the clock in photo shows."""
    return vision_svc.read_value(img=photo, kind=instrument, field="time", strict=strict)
5:26
